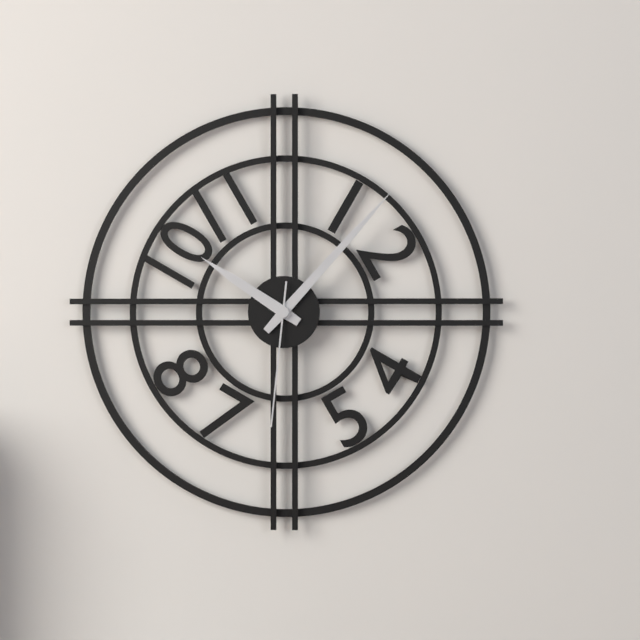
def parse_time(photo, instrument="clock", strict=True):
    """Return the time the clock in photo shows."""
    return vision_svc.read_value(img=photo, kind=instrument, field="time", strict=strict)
10:07:31
